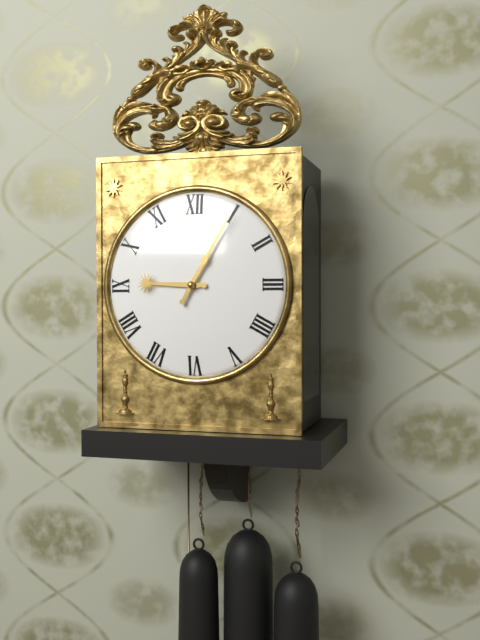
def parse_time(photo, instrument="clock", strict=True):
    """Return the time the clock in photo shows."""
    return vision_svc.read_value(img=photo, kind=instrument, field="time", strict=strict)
9:05
